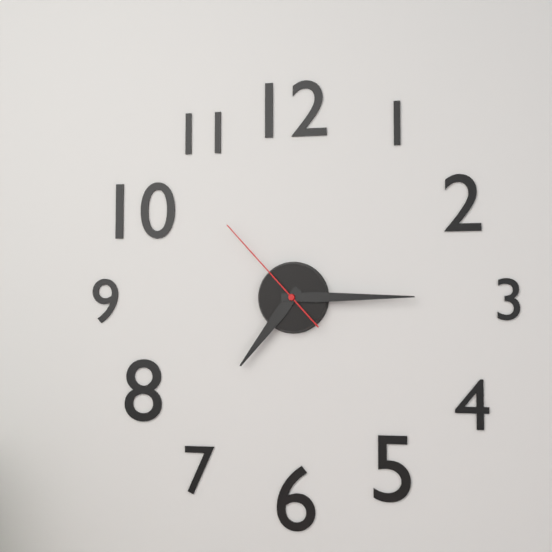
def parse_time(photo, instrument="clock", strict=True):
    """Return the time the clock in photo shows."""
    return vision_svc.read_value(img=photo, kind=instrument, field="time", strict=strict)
7:15:53
